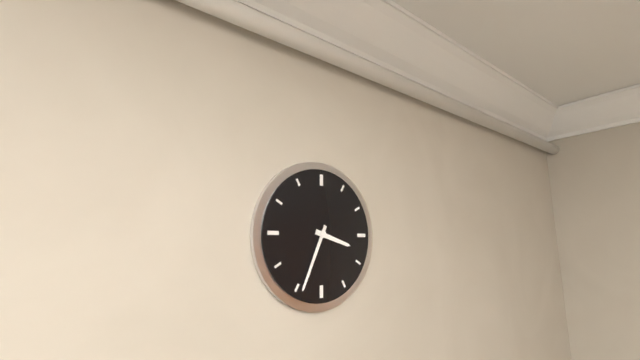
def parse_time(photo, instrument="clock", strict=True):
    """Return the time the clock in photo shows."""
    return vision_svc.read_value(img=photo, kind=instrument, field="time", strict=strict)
3:34
